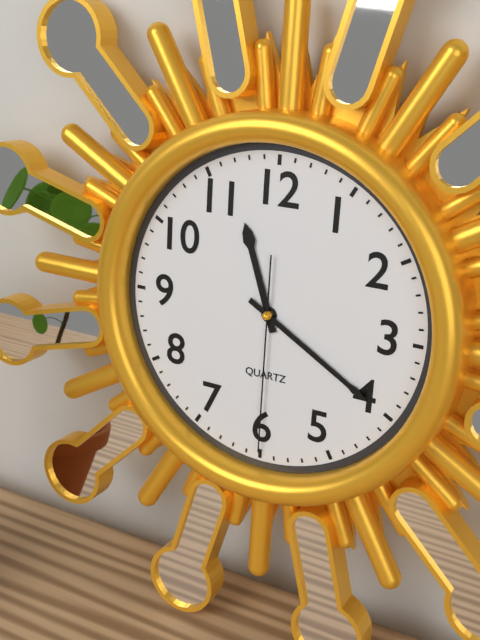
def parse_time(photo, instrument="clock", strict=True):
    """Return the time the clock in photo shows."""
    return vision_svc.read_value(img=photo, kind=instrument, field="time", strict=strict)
11:20:30
